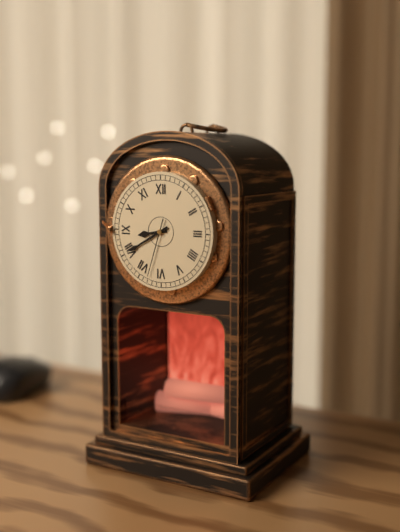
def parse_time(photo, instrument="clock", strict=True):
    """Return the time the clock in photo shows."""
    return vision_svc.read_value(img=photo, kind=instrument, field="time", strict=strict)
8:40:33
